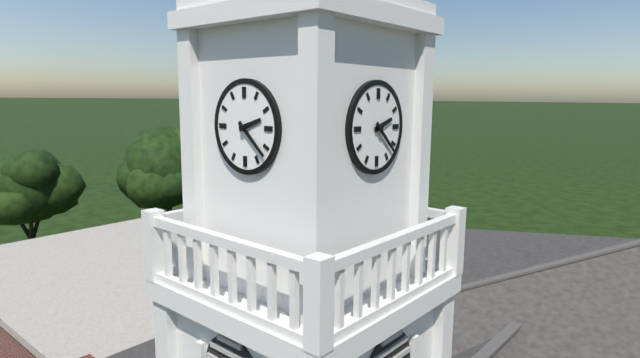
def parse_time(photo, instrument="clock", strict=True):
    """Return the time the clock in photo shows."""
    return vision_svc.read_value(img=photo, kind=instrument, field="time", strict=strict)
2:22
